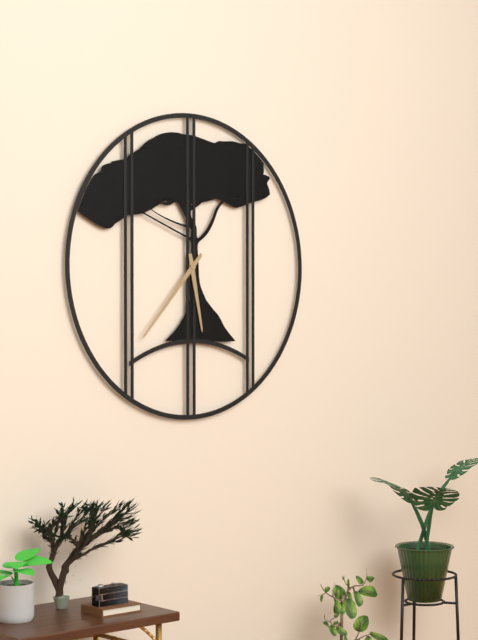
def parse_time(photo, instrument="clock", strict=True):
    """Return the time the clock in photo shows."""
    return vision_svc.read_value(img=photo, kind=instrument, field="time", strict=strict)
5:37
